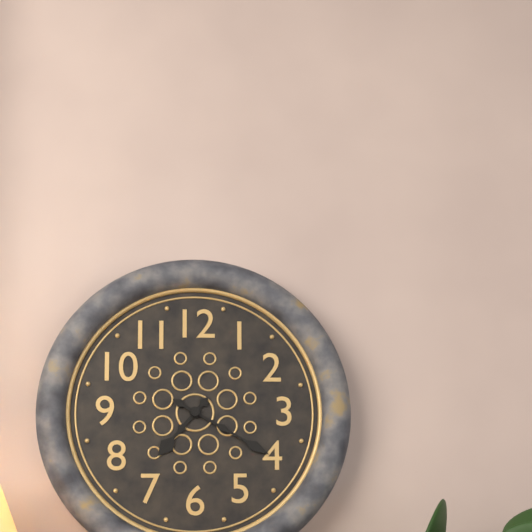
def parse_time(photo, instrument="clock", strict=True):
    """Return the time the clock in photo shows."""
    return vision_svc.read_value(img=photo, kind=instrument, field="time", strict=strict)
7:20
